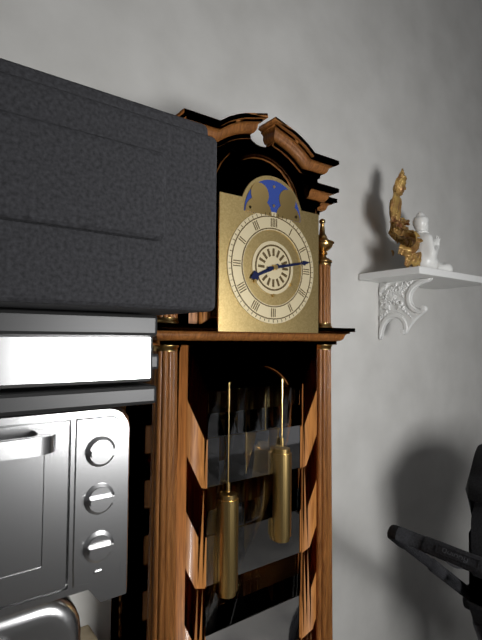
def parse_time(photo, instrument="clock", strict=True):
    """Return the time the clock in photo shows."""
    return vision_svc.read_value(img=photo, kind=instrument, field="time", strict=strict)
8:13
